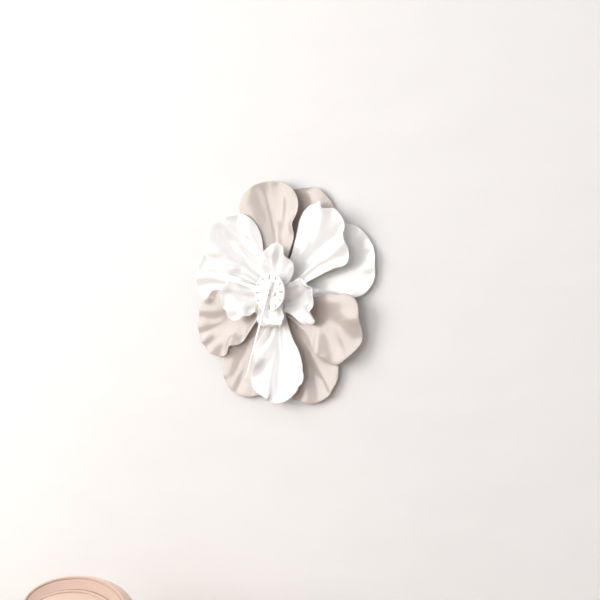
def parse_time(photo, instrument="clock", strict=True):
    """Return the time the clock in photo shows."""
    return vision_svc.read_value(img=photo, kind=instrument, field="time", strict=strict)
9:33
